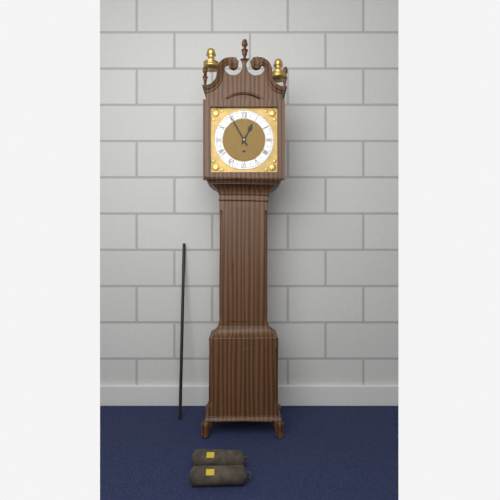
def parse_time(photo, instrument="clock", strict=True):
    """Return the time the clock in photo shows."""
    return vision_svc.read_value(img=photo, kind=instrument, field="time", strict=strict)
12:55
